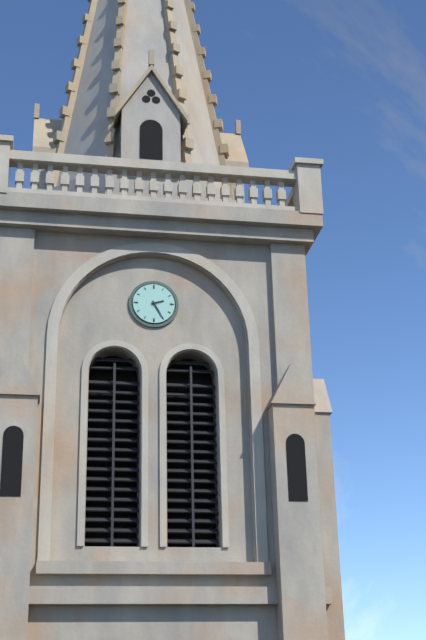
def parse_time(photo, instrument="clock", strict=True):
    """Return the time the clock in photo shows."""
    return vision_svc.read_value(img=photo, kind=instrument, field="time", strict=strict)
2:25
